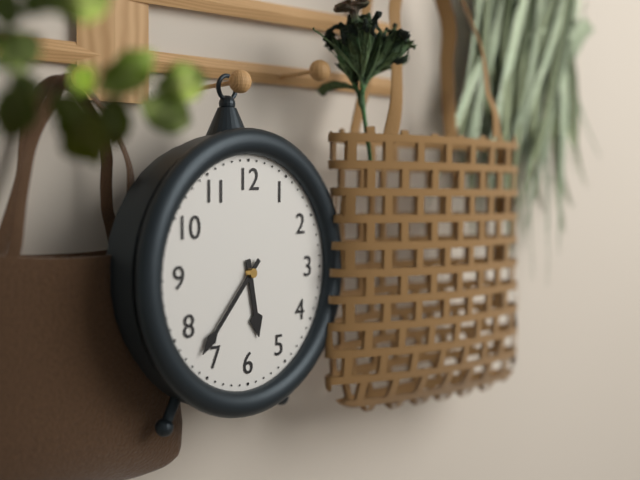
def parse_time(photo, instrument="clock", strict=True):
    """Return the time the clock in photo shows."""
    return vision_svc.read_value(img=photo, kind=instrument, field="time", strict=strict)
5:37
